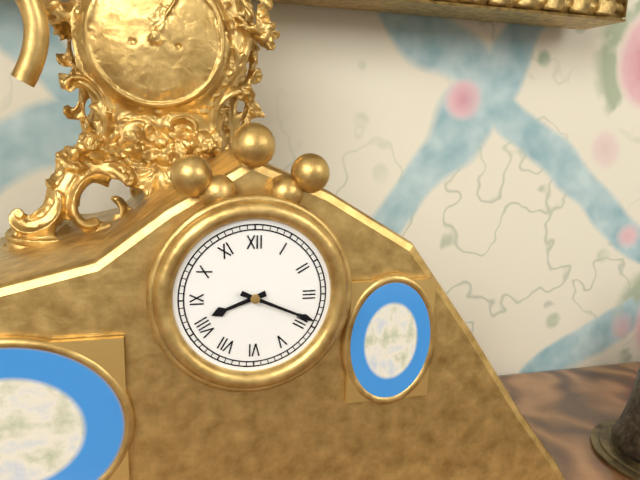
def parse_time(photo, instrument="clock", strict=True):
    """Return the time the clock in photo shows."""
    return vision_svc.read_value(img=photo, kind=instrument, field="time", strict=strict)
8:19
